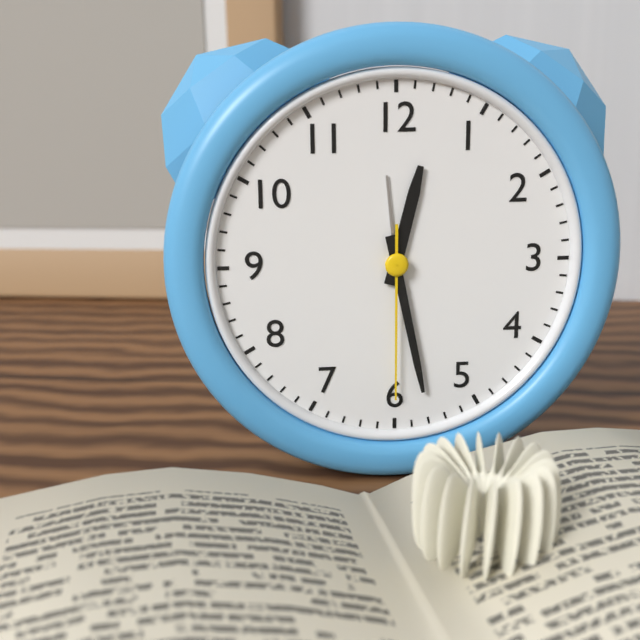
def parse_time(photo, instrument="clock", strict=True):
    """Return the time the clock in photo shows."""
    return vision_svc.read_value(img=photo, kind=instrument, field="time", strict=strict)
12:28:30
